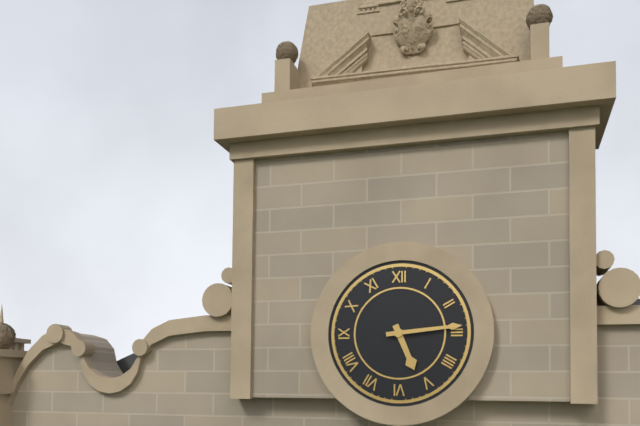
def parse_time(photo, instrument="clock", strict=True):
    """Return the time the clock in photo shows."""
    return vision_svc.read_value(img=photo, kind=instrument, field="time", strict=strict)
5:14
